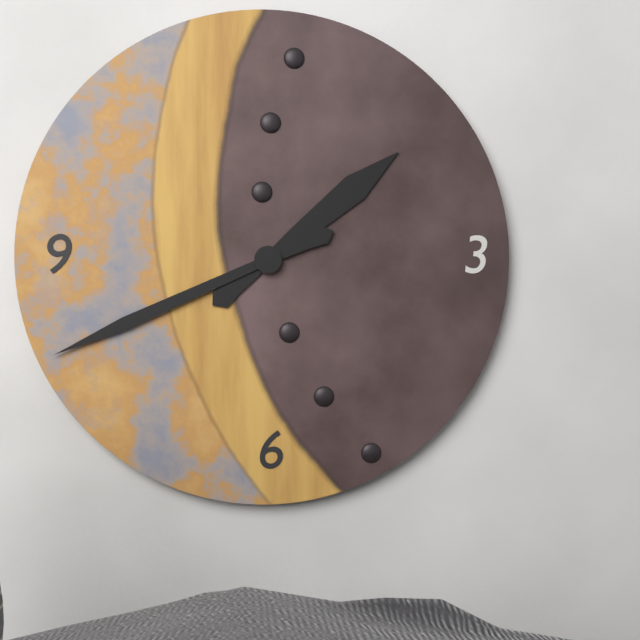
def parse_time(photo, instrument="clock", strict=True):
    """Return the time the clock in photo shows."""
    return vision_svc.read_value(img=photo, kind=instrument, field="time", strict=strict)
1:41
